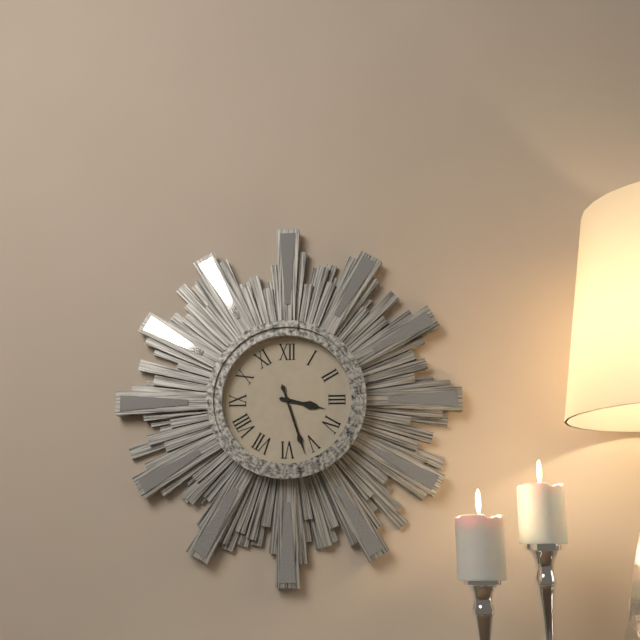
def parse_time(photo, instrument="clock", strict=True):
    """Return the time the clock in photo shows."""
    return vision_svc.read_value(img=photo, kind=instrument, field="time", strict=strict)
3:27
